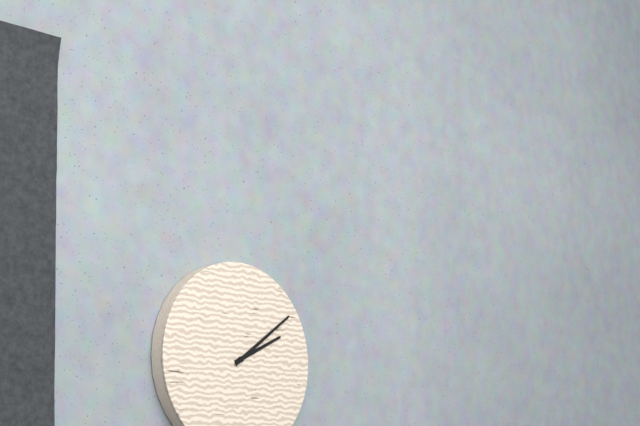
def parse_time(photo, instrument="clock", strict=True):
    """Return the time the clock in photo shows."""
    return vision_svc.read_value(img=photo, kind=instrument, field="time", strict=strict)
2:09
